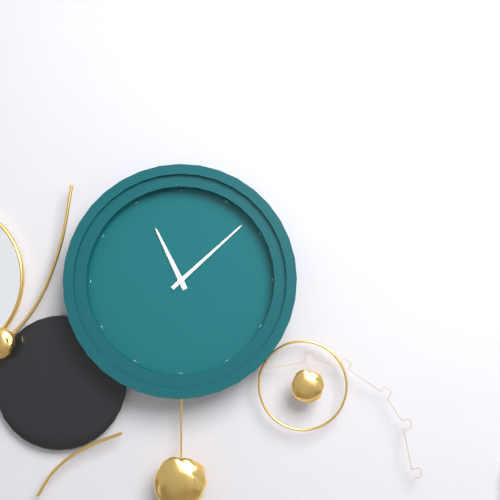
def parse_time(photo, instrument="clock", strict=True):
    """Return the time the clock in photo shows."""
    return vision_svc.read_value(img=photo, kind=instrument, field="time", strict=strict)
11:08
